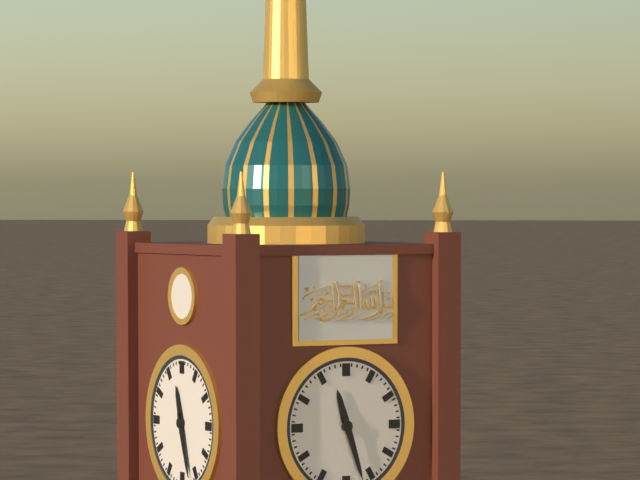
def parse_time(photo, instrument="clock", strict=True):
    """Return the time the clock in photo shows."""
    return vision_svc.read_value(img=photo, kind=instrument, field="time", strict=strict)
11:27
